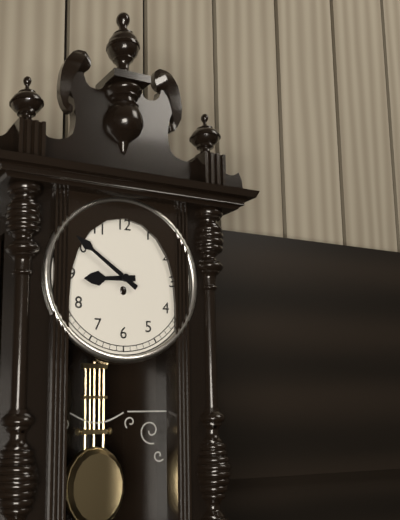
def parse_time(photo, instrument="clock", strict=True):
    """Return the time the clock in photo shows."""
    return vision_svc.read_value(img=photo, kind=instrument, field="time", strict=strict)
8:51
